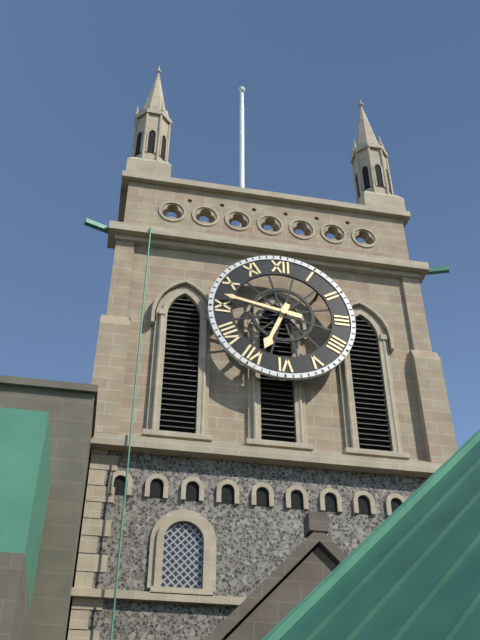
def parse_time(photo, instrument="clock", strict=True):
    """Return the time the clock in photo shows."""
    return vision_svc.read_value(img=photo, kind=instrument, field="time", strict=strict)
6:47
